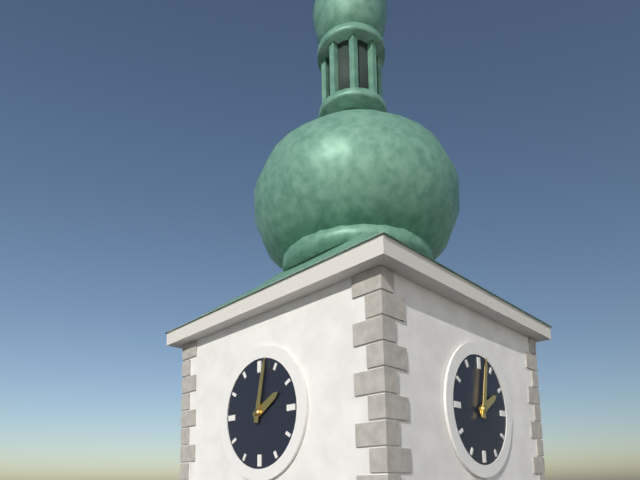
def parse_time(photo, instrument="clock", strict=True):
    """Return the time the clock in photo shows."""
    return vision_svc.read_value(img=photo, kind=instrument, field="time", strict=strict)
2:02
